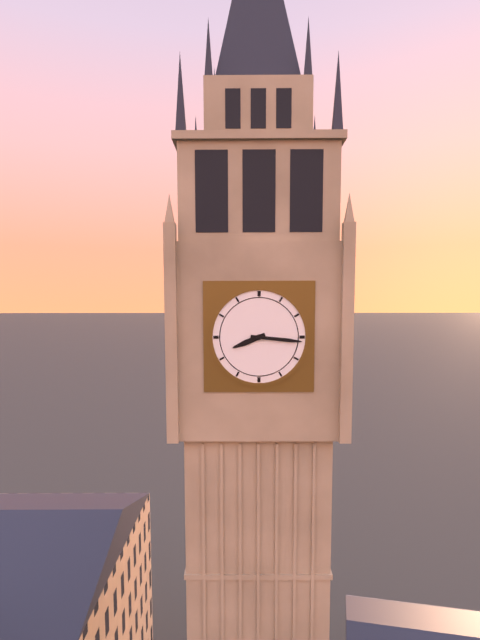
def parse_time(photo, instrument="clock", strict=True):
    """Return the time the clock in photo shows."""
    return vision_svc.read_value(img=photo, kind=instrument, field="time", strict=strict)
8:16
